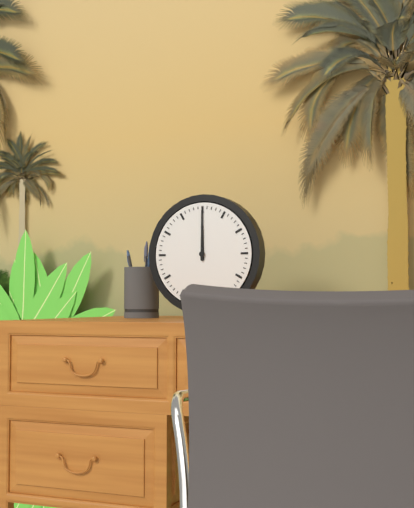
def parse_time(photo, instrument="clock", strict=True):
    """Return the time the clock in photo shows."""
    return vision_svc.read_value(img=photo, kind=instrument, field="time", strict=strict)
12:00
